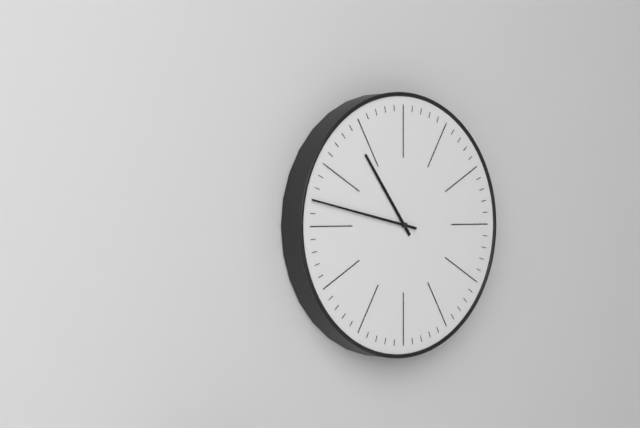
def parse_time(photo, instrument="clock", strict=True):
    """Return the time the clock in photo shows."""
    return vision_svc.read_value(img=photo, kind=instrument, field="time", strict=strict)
10:47
